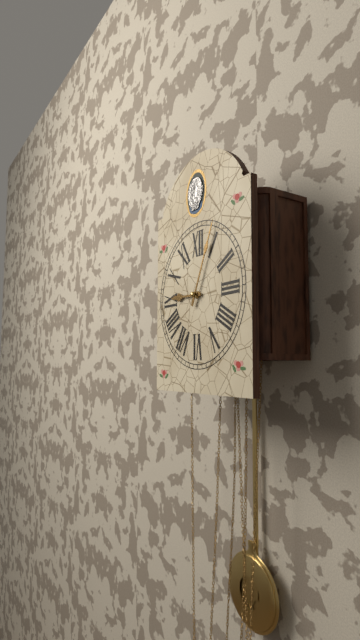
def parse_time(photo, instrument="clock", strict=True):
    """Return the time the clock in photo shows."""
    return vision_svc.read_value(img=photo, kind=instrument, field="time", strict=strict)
9:04
